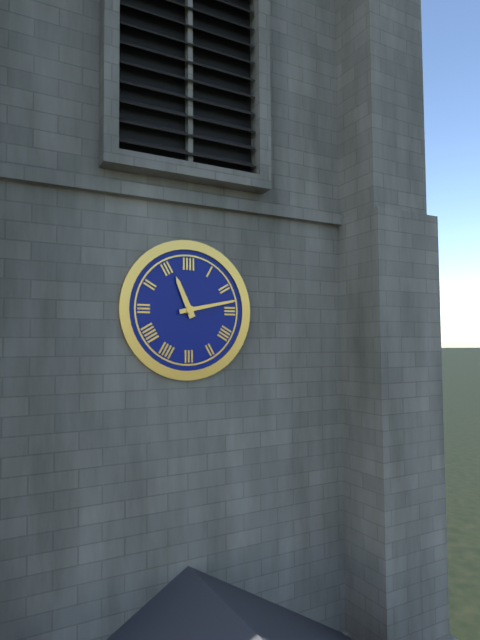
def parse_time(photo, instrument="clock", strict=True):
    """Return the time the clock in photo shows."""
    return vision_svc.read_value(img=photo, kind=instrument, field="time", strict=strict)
11:13
